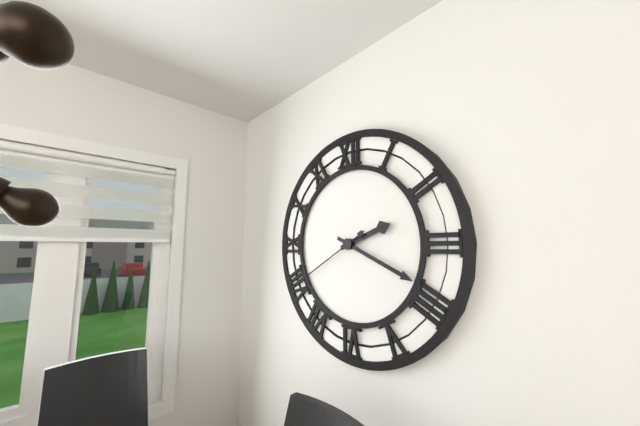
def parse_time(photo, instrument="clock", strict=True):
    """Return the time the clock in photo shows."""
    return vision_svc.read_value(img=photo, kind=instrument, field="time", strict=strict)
2:19:40
